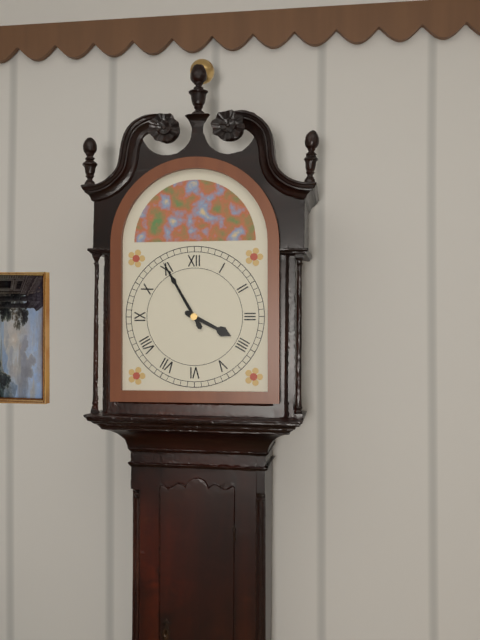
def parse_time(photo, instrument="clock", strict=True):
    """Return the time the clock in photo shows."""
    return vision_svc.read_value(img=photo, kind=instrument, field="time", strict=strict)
3:55
